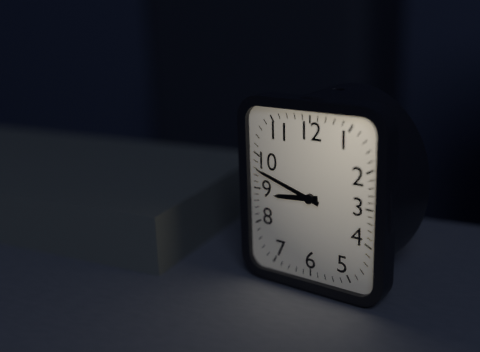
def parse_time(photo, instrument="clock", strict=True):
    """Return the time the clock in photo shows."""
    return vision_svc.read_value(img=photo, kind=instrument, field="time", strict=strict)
8:48
